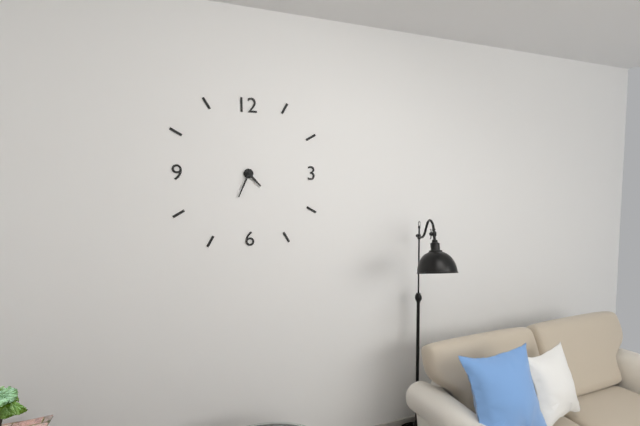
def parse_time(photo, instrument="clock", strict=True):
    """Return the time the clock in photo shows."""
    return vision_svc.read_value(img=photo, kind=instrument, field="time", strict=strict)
4:34
